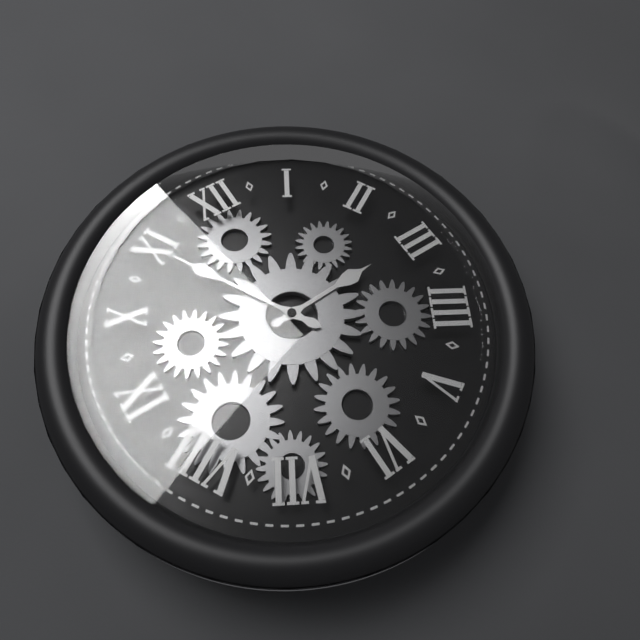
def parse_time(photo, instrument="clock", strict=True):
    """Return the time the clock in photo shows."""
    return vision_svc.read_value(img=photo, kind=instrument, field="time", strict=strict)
2:55
